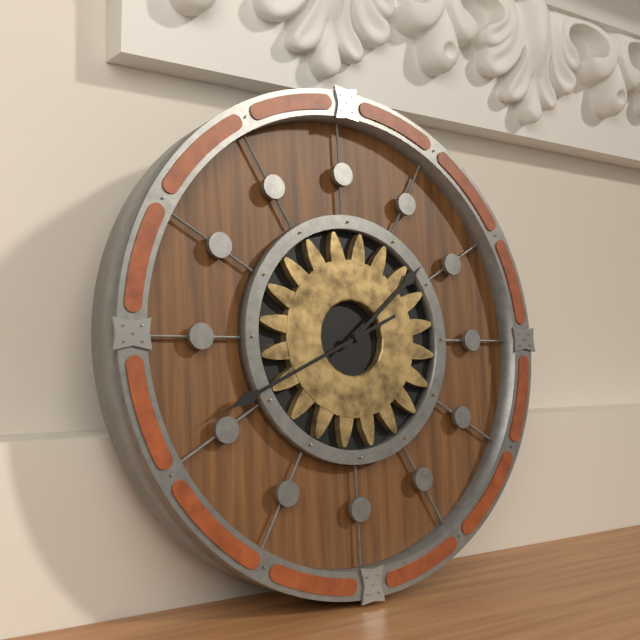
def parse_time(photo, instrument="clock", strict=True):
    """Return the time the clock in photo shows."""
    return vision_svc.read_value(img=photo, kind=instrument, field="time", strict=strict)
1:41
